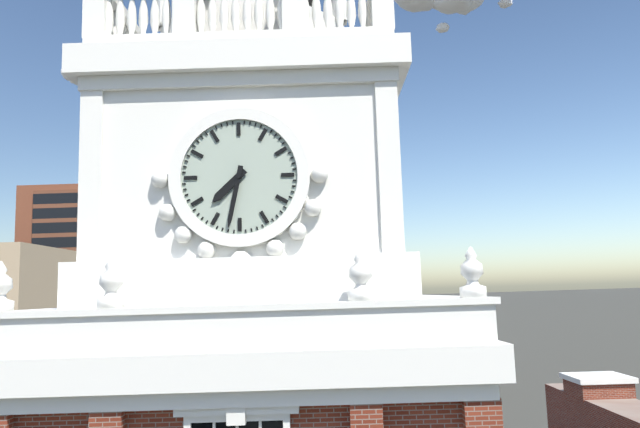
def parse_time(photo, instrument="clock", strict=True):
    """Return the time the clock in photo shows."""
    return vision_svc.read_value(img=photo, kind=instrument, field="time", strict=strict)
7:32
